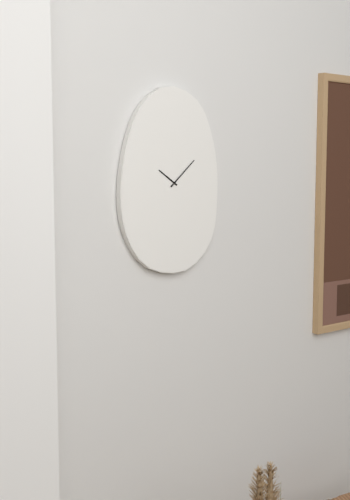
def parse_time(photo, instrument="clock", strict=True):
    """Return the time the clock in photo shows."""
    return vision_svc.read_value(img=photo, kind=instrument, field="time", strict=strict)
10:08
